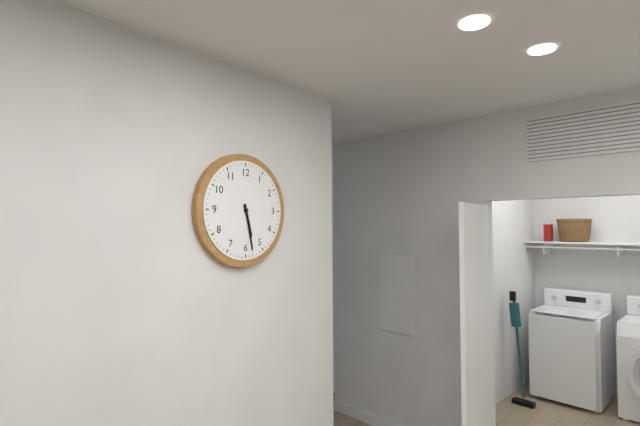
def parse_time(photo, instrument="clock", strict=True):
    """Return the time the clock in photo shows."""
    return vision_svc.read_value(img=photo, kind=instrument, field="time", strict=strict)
5:28
